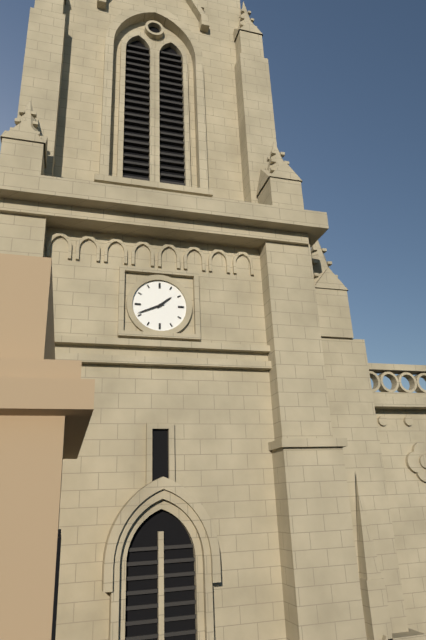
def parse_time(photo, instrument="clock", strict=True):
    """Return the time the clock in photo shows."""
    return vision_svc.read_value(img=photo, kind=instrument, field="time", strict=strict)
1:41
